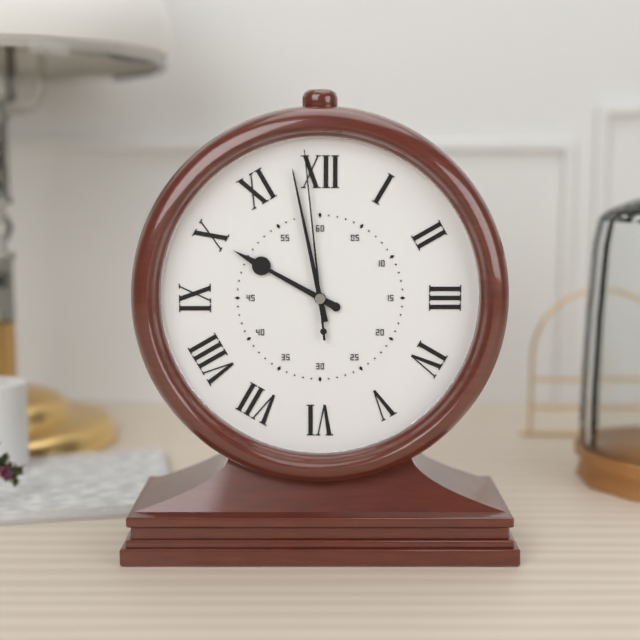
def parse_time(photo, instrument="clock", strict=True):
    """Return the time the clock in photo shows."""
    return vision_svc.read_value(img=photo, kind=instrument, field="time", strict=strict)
9:58:59
